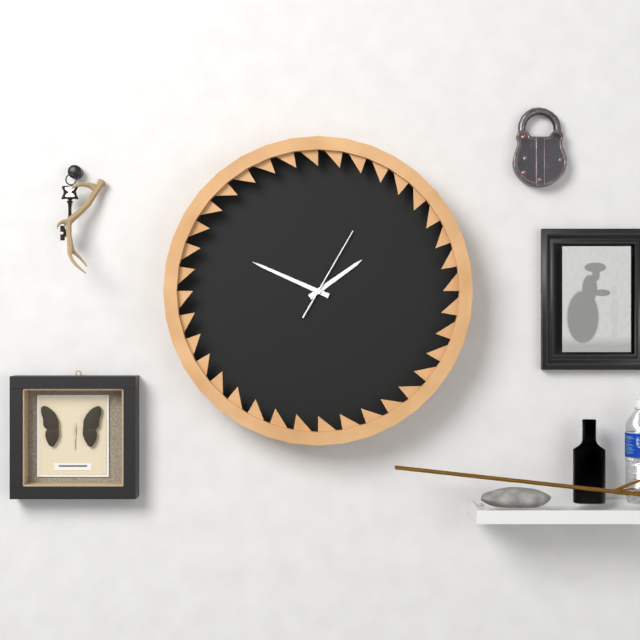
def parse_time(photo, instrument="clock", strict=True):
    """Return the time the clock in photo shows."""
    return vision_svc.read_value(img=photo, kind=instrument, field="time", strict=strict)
1:49:05
